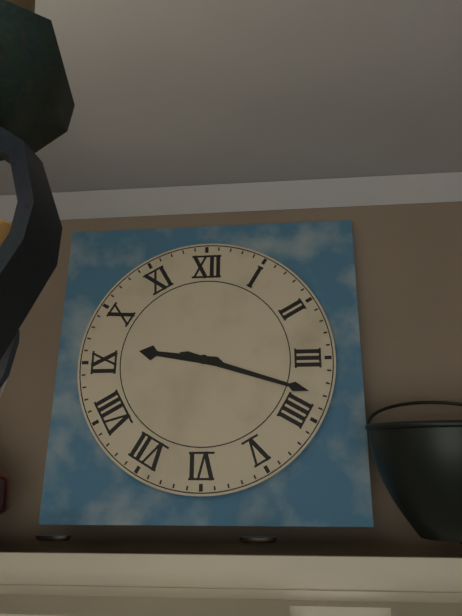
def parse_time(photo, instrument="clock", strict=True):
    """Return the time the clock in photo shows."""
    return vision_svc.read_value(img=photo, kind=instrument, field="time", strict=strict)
9:18
